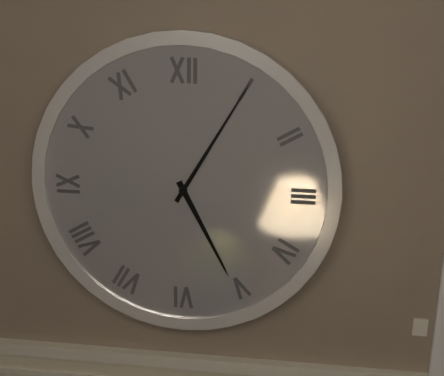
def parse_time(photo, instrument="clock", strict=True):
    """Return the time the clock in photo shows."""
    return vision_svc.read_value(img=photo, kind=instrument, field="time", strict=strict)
5:05
